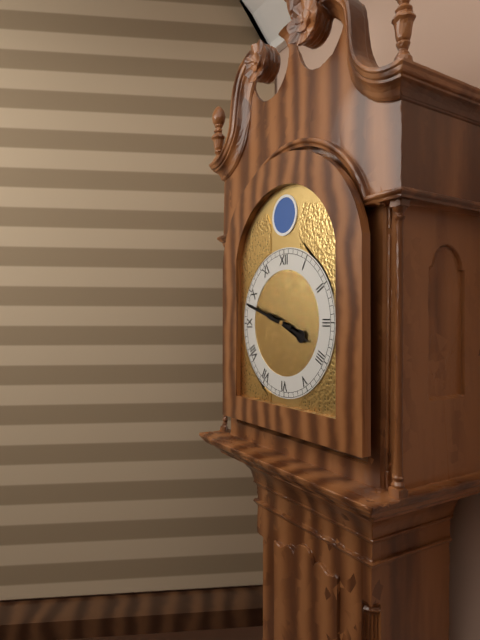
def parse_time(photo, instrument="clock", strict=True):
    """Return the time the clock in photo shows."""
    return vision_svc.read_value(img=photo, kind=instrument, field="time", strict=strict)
3:48
